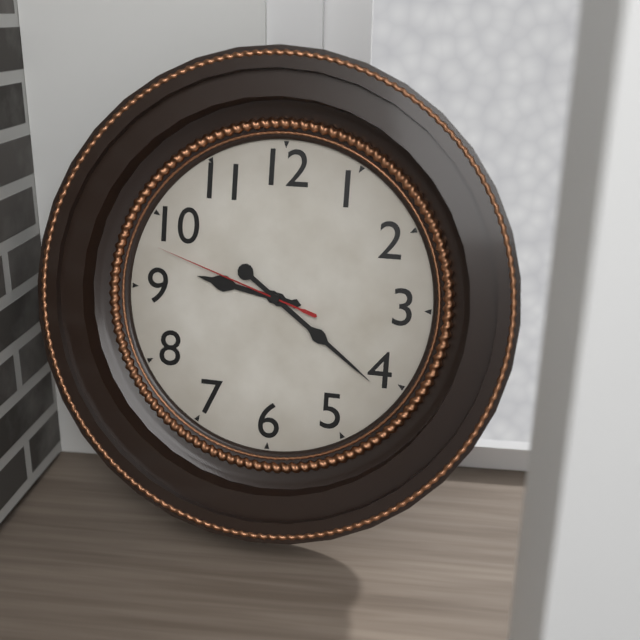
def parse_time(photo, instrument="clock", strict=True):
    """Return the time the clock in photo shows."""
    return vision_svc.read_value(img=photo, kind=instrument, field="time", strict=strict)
9:21:48
